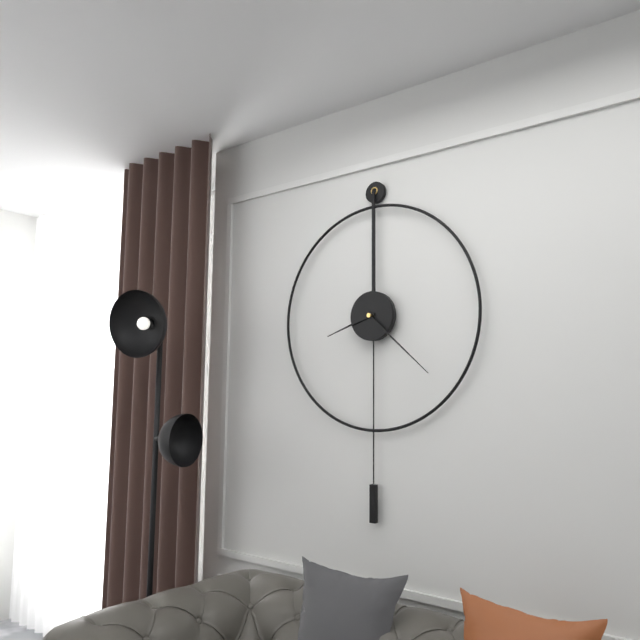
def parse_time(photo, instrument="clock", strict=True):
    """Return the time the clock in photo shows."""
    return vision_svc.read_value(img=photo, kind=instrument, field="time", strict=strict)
8:22
